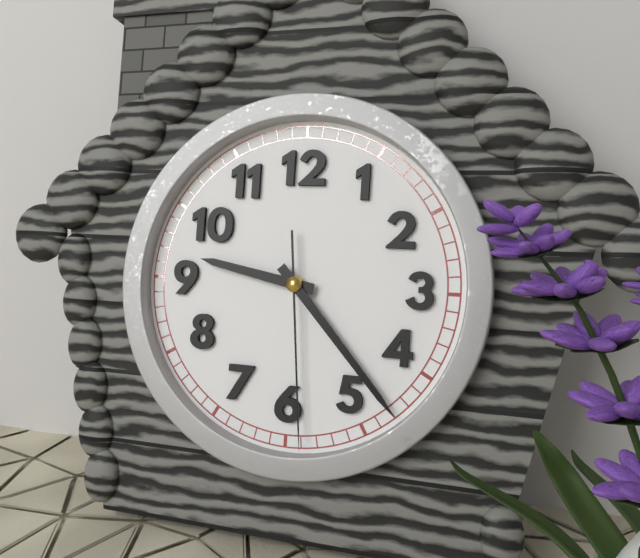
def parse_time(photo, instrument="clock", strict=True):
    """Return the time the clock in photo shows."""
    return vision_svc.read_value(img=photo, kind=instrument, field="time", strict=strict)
9:23:29
